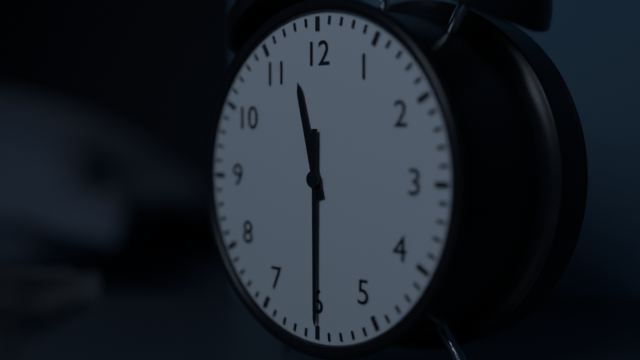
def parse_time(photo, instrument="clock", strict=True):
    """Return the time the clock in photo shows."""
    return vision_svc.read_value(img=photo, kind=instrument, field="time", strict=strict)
11:30
